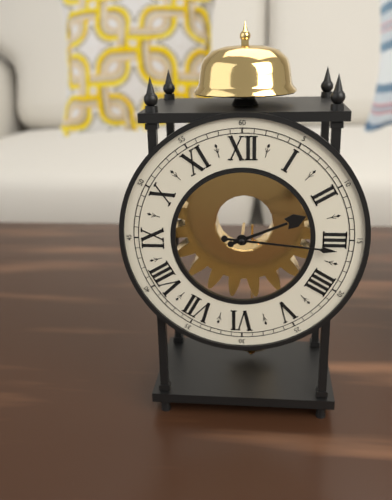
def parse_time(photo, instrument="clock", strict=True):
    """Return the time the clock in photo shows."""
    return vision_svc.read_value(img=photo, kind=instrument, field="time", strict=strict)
2:16
